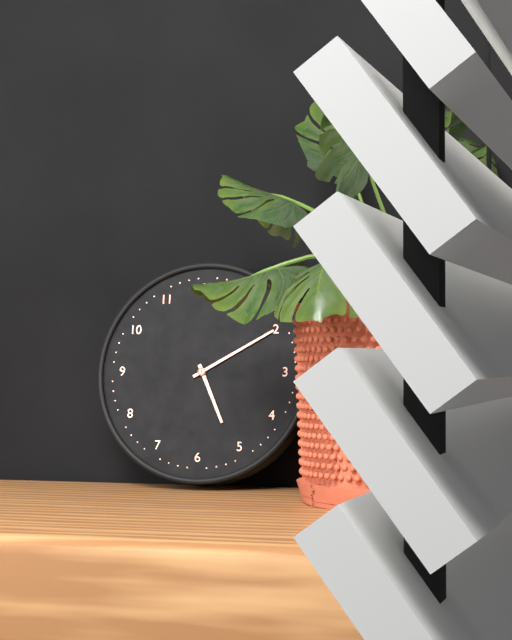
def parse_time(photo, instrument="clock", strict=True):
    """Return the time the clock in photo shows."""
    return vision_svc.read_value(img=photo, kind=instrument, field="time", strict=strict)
5:10
